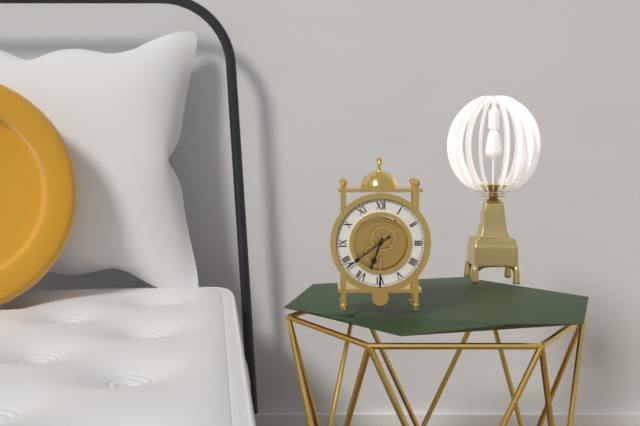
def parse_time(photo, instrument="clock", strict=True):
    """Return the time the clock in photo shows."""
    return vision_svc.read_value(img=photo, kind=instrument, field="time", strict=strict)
6:39
